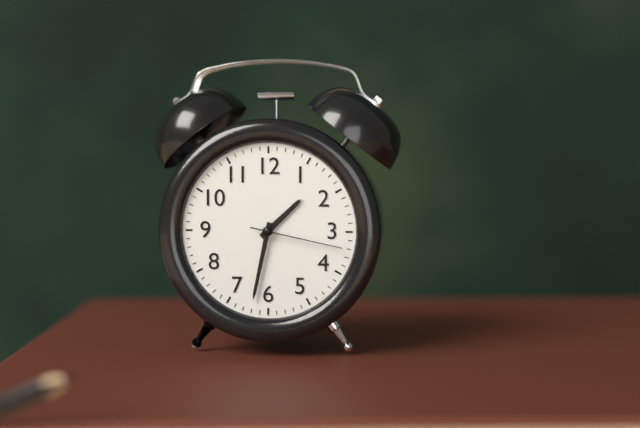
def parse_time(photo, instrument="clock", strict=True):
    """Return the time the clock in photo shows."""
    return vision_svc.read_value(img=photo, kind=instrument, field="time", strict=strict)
1:32:17
